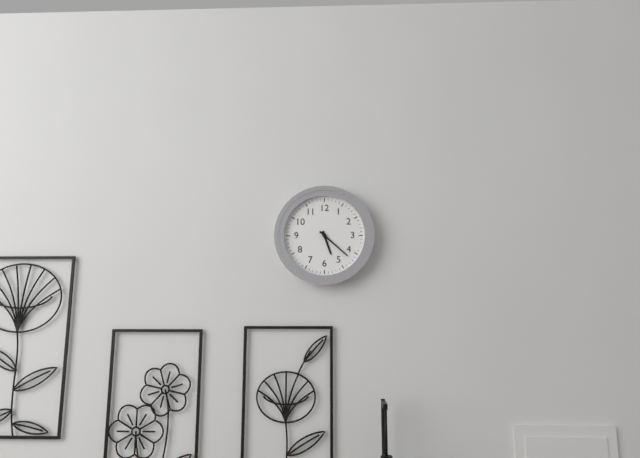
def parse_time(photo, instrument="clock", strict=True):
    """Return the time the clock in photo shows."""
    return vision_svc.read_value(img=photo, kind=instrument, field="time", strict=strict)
5:22
